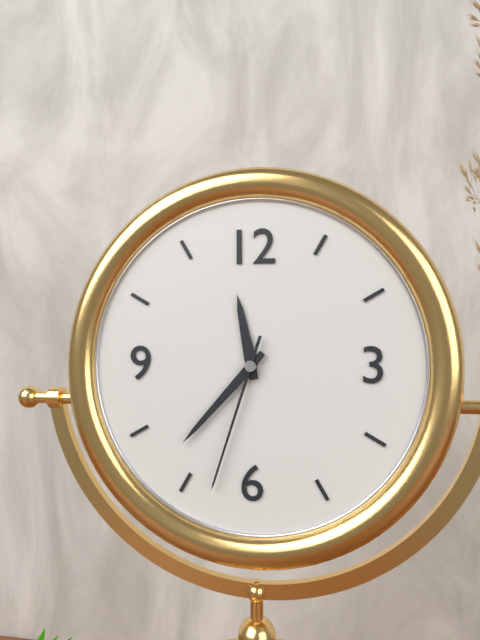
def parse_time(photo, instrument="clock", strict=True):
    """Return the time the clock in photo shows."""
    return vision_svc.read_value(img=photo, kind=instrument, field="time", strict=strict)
11:37:33
